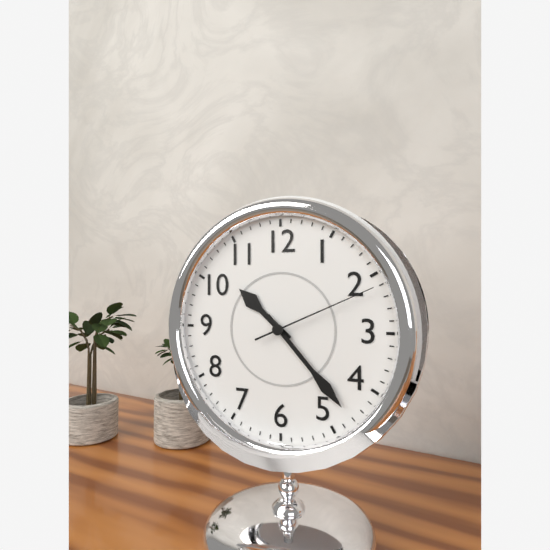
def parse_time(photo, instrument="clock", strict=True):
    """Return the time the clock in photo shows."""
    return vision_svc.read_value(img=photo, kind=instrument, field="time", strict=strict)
10:23:11
